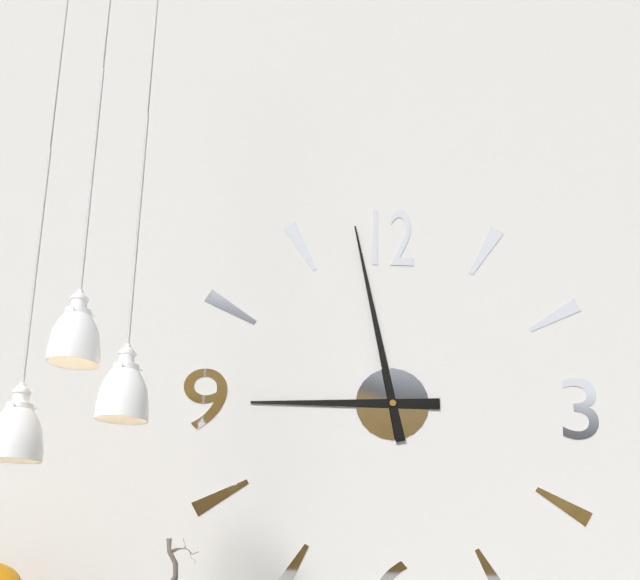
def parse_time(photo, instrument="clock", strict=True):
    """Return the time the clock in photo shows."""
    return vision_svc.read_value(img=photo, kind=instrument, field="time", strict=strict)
8:58
